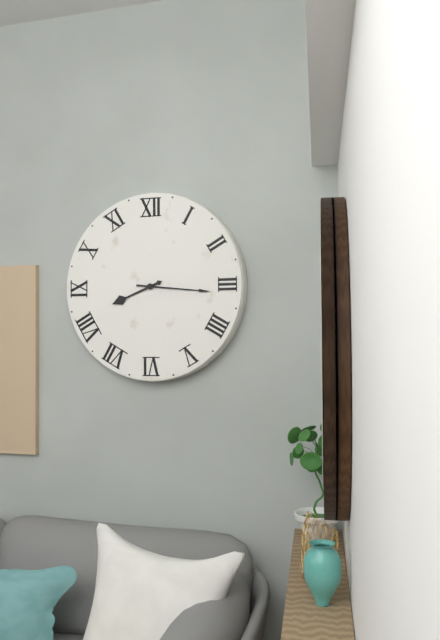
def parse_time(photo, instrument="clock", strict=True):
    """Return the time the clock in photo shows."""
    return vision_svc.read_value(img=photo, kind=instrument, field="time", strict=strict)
8:16
